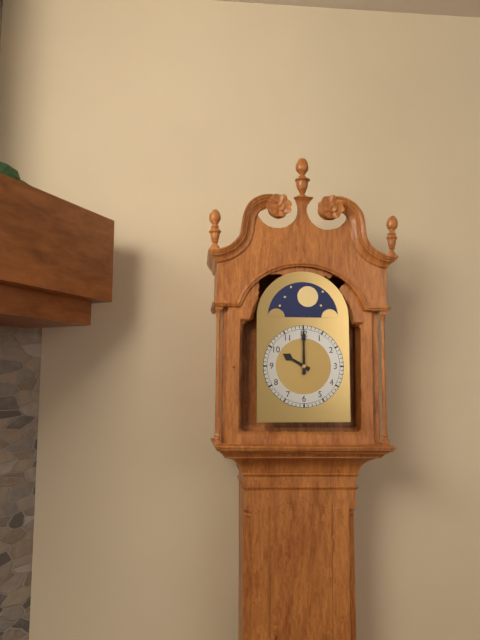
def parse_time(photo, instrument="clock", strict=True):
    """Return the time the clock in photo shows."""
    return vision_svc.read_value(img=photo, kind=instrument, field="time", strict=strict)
10:00
